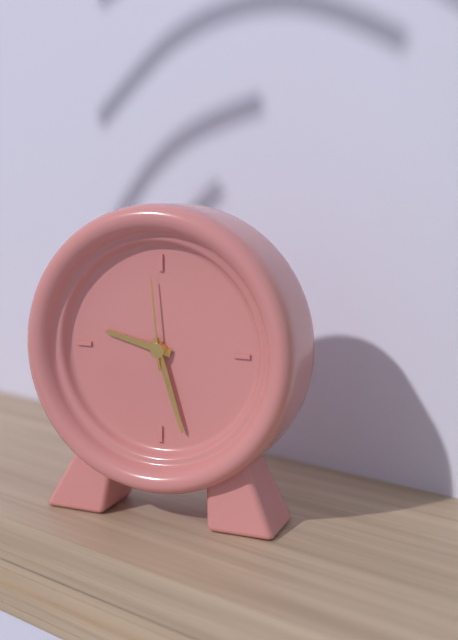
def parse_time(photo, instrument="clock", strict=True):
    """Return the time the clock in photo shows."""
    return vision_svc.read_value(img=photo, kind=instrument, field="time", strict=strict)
9:27:59
